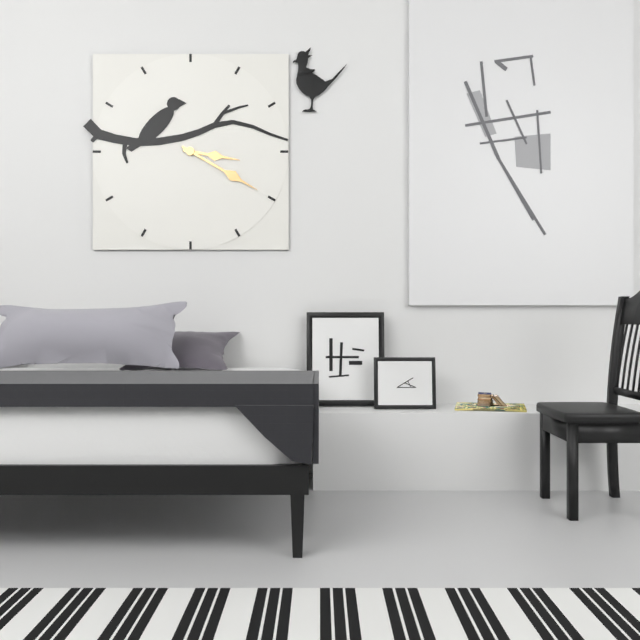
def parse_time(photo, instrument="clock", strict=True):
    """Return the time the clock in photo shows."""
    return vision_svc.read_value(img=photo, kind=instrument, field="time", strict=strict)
3:20
